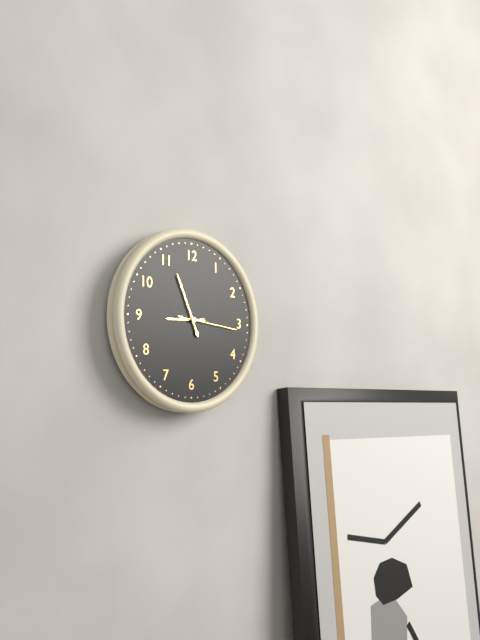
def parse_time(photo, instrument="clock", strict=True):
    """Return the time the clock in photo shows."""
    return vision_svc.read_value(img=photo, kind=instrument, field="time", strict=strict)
8:56:16
